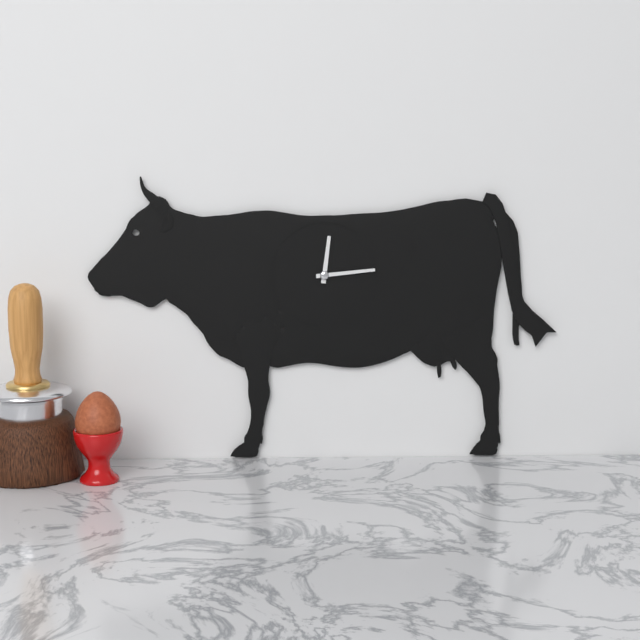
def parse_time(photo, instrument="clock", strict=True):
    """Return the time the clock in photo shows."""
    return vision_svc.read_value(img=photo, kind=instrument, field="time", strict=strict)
12:14
